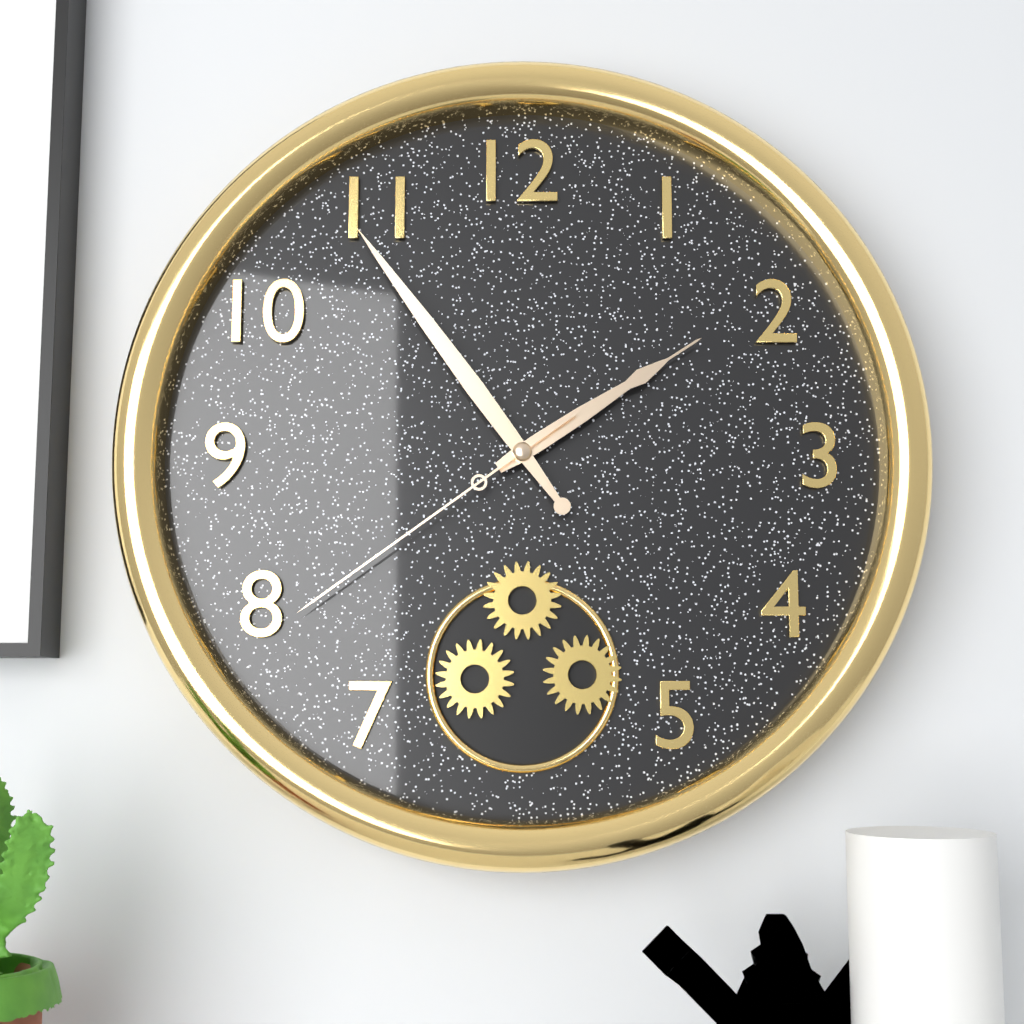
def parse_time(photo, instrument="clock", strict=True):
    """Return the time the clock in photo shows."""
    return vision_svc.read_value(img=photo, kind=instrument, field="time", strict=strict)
1:54:39
